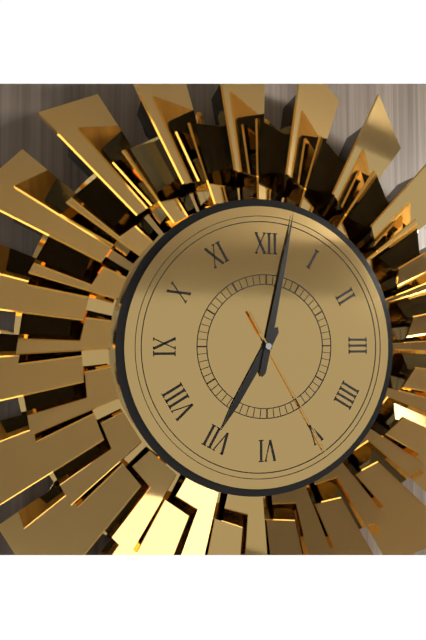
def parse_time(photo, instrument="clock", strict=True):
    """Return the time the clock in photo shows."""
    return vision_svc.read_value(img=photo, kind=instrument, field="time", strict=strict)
7:02:25
